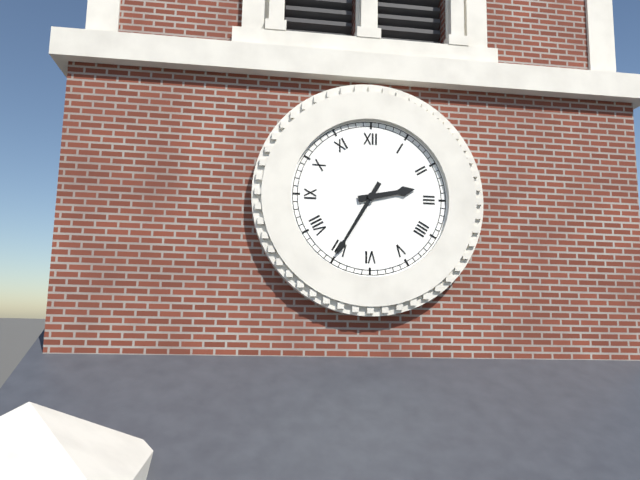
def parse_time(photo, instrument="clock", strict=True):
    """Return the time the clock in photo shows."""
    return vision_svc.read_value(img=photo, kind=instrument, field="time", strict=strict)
2:35
